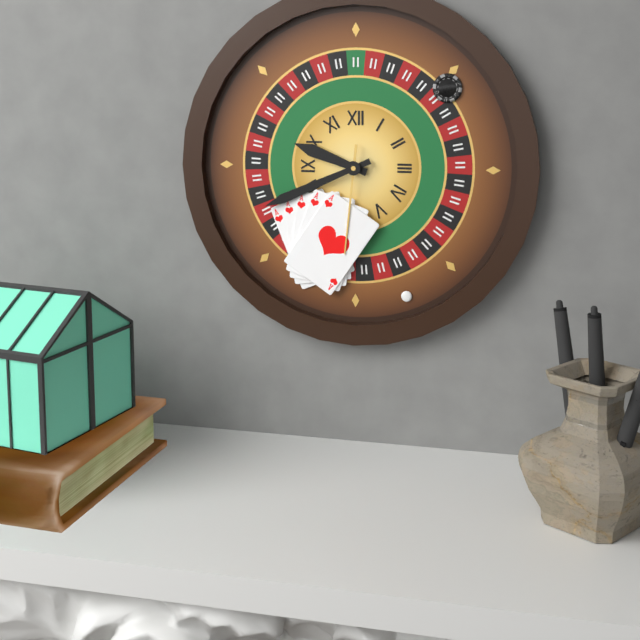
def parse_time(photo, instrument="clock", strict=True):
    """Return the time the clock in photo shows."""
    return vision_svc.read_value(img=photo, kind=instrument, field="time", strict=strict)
9:41:31
